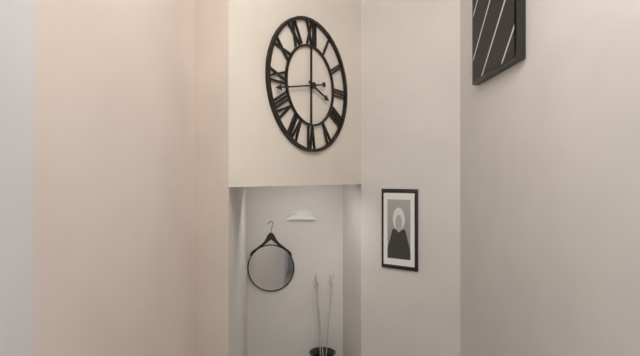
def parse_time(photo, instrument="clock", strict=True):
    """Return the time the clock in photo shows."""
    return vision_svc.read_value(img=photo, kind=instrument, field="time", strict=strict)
3:43
